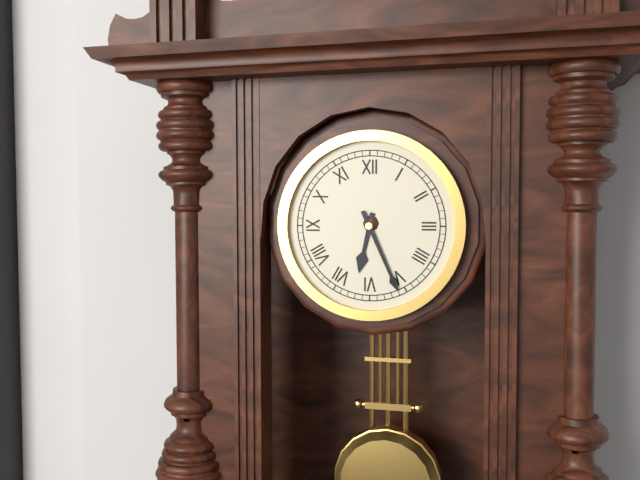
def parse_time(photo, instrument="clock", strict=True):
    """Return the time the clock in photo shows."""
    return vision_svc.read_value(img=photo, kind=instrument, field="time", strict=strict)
6:26
